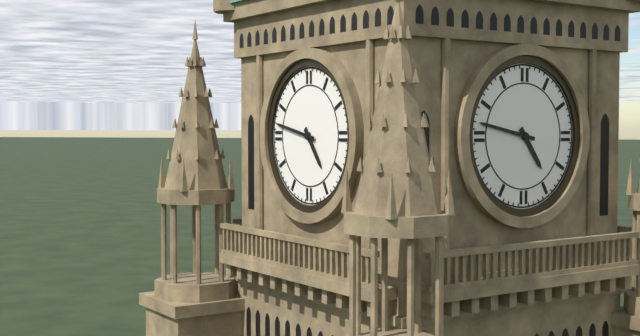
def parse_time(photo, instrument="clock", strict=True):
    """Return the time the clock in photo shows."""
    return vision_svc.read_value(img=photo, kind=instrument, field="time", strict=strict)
4:47
